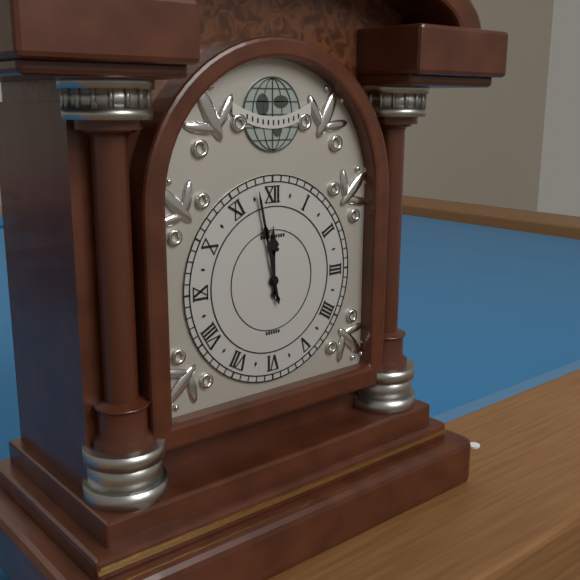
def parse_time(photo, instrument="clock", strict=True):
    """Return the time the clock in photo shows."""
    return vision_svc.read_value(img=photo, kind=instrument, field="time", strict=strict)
11:58
